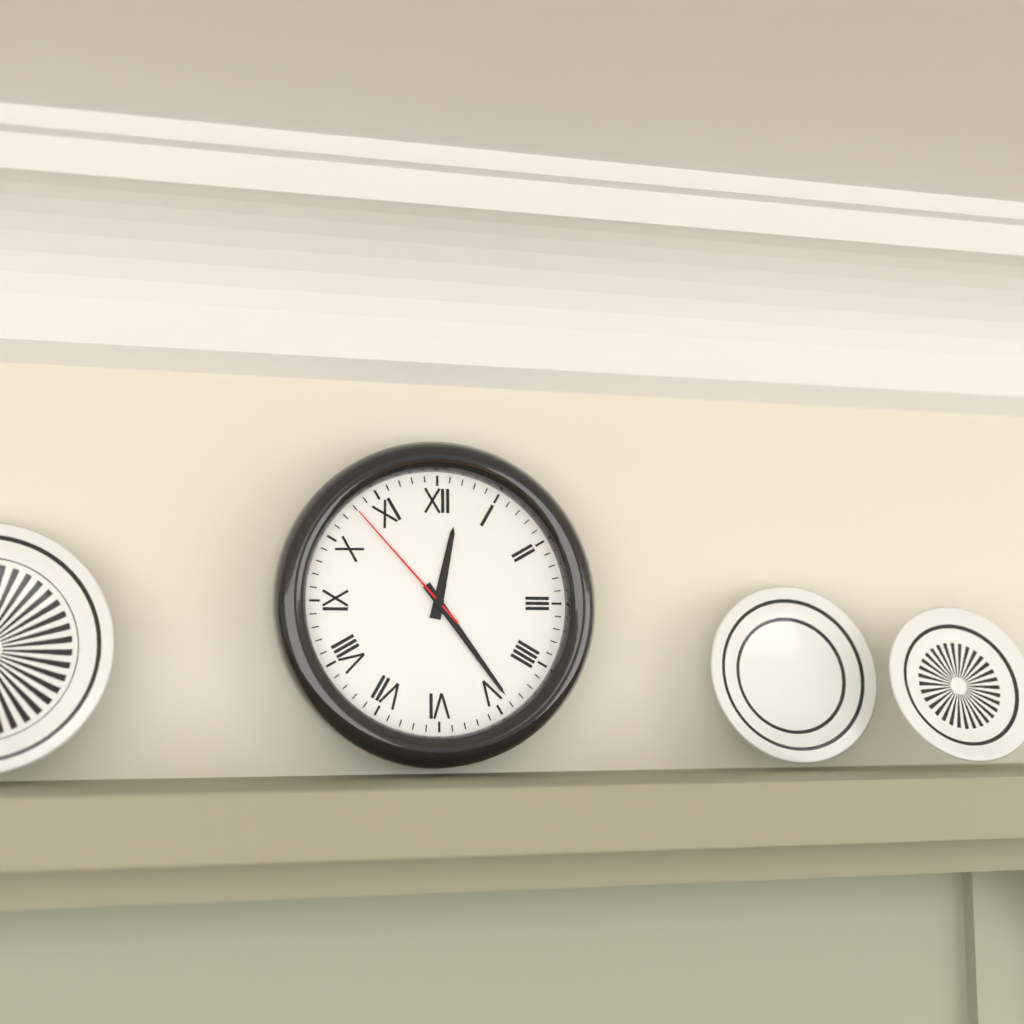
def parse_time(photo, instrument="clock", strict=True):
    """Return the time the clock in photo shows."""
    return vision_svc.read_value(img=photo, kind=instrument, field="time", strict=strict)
12:24:53
